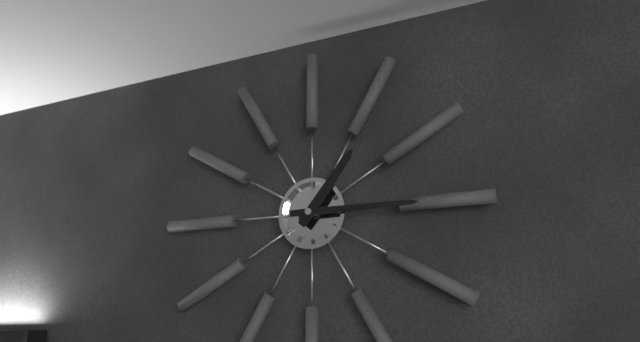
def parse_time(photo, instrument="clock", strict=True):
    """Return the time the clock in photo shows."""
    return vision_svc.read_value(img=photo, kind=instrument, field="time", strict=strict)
1:15
